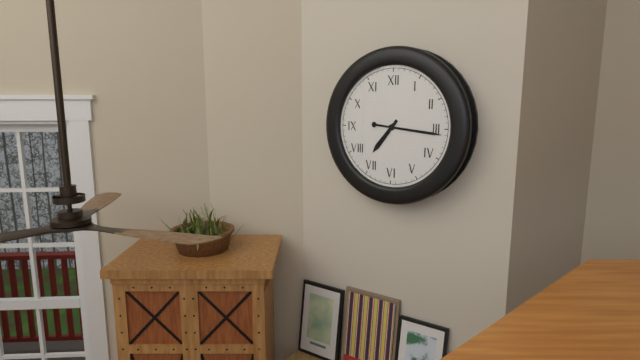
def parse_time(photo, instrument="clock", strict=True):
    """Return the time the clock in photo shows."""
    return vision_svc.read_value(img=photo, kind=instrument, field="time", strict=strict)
7:16
